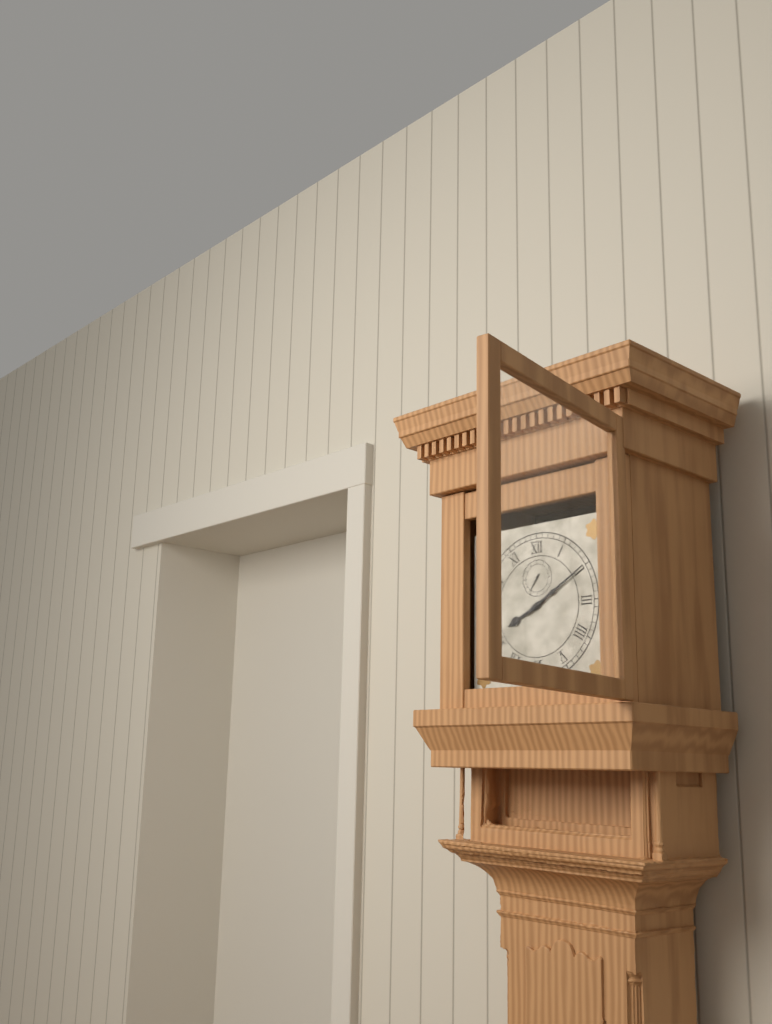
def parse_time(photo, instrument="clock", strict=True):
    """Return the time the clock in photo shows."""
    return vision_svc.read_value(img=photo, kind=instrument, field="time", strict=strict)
8:10
